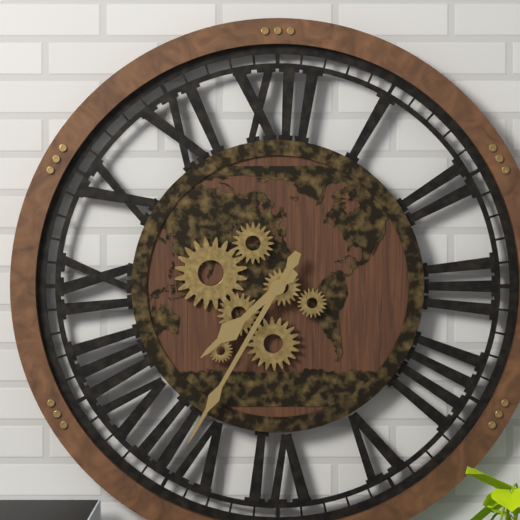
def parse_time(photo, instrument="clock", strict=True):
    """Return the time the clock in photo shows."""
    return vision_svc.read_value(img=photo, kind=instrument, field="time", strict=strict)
7:35
